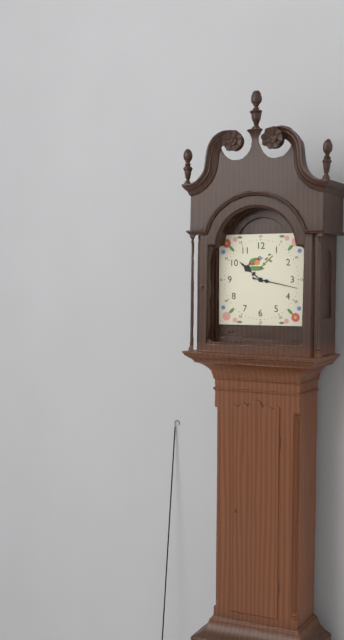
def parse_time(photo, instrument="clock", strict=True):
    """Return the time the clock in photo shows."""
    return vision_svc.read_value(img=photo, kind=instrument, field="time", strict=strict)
10:17
